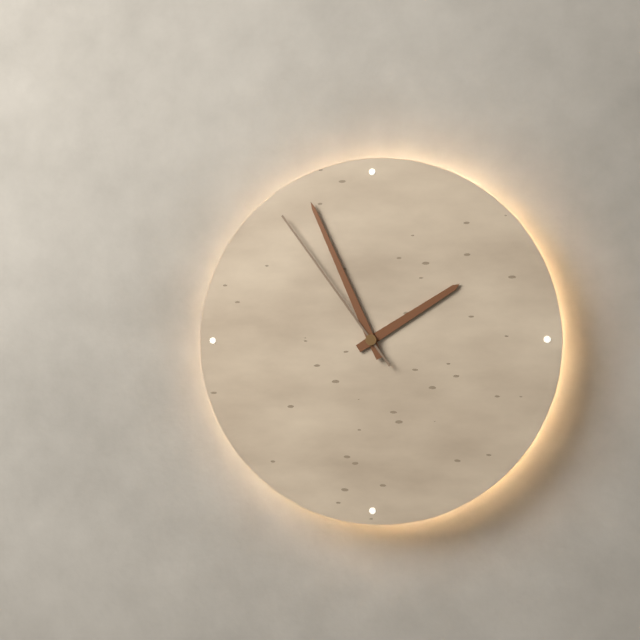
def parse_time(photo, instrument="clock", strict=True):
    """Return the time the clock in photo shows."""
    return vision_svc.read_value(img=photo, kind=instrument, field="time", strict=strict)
1:56:54
